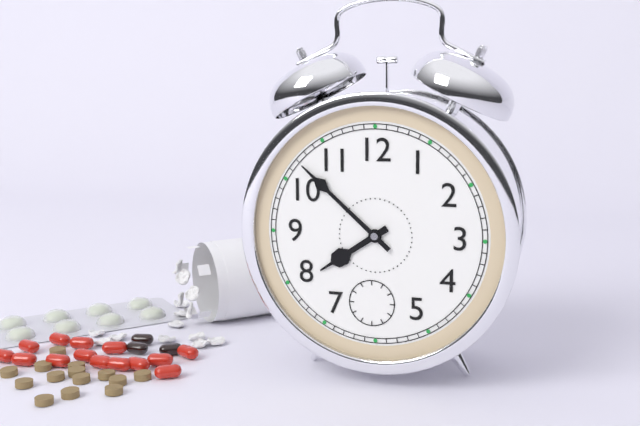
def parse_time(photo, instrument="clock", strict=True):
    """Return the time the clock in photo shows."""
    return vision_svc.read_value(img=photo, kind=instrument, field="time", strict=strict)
7:52
